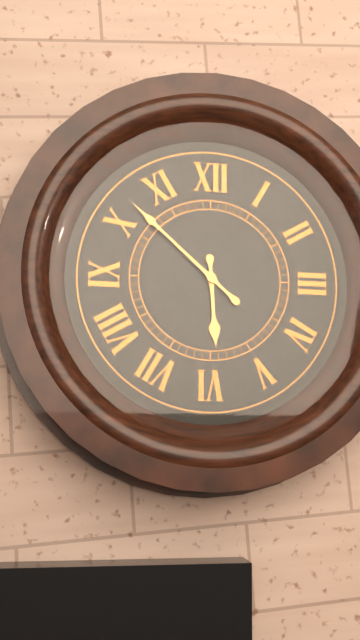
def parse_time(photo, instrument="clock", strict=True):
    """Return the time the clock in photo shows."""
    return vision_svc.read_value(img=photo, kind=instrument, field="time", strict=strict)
5:52
